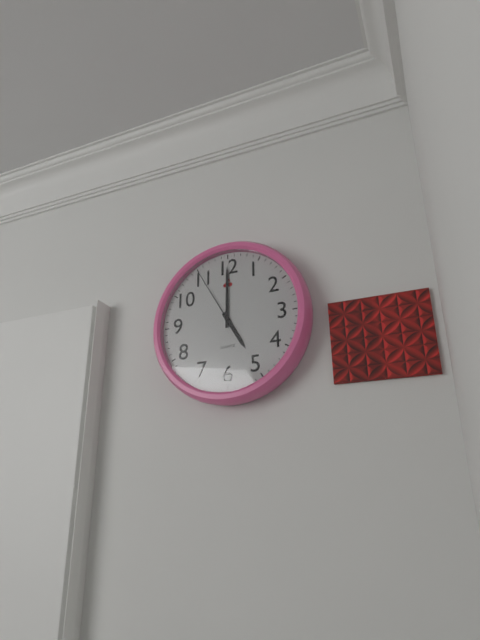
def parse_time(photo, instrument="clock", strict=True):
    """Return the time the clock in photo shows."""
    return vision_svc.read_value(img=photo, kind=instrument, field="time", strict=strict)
5:00:55
